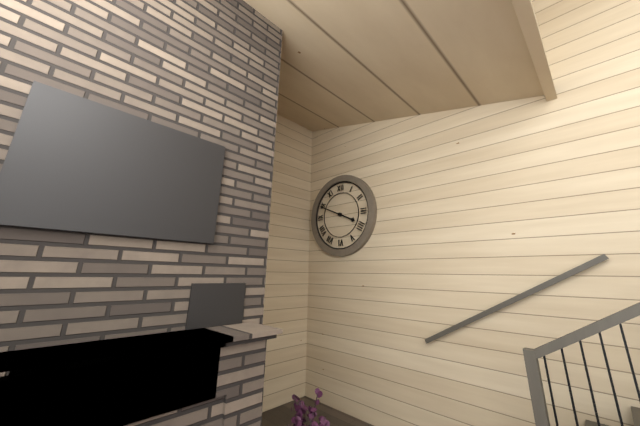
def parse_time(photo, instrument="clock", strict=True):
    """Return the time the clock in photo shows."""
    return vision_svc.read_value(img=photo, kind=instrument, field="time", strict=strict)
3:49
